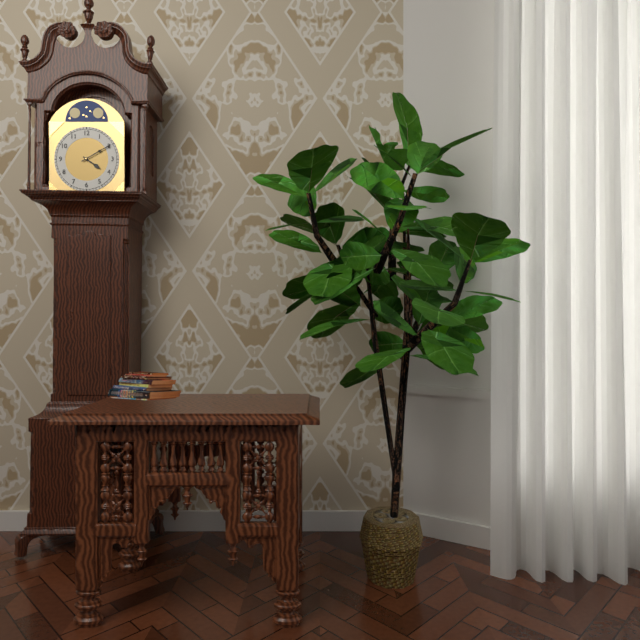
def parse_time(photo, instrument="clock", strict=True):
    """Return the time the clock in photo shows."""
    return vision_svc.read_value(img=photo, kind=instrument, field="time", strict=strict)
4:10
